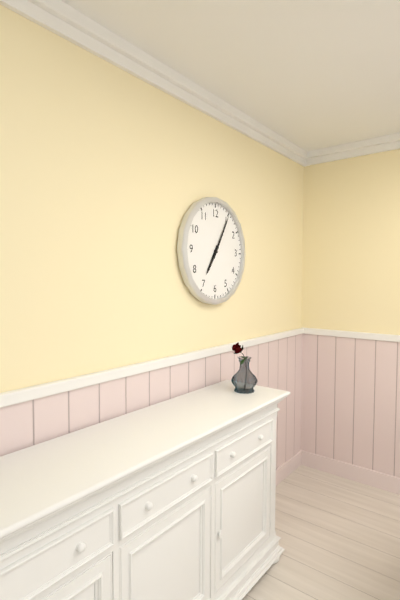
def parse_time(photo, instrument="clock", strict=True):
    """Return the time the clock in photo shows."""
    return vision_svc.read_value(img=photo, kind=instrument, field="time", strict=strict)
7:05
